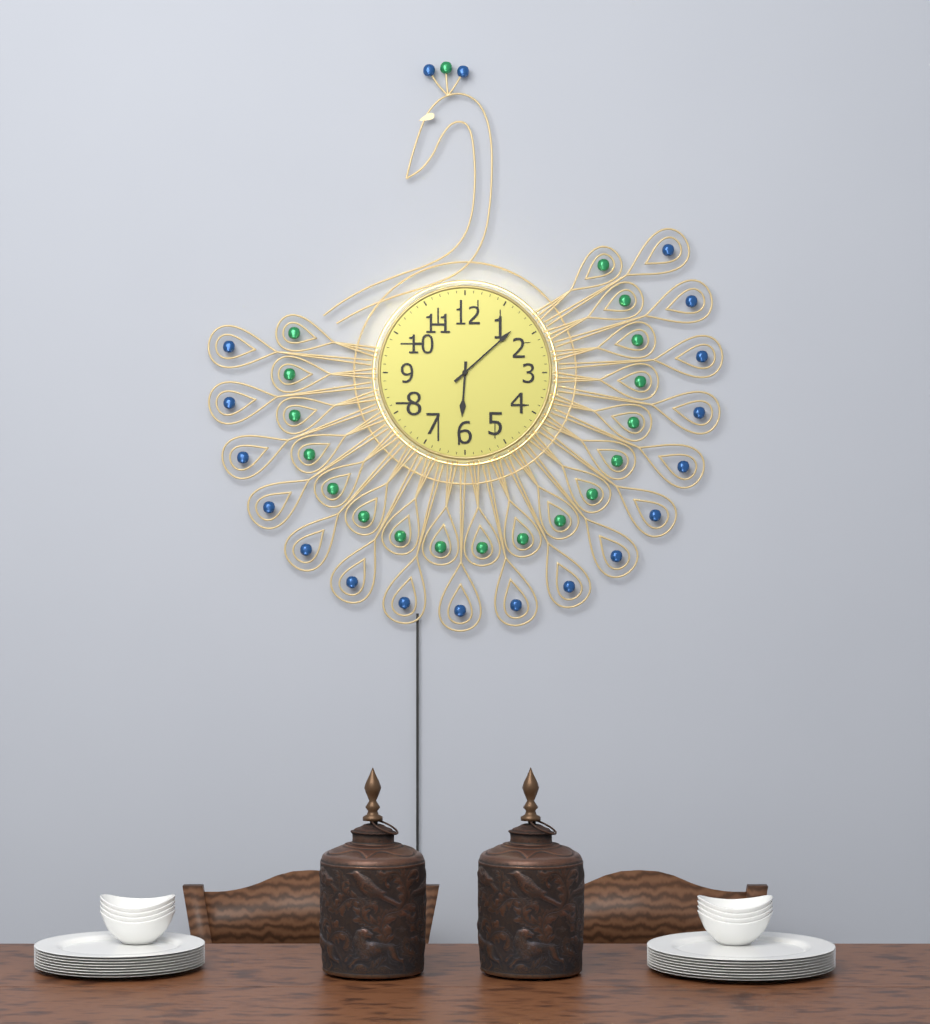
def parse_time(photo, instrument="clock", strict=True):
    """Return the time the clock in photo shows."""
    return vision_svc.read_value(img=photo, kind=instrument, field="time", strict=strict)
6:08
